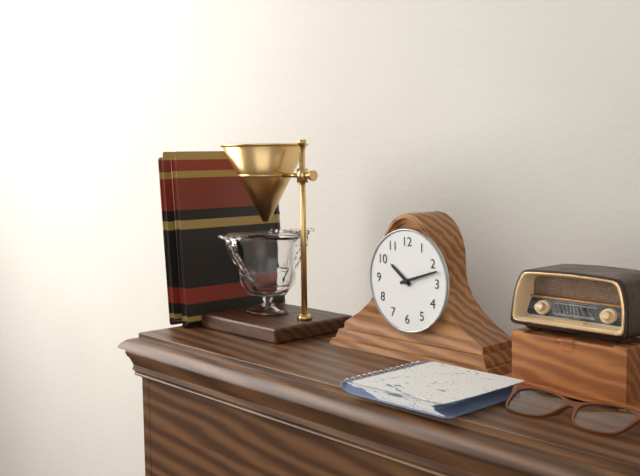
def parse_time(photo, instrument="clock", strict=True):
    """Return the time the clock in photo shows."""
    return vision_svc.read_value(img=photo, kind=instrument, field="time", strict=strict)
10:12
